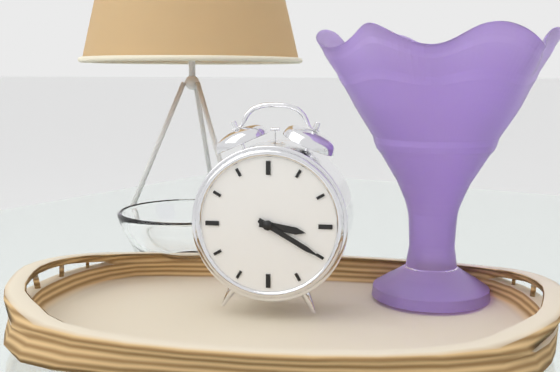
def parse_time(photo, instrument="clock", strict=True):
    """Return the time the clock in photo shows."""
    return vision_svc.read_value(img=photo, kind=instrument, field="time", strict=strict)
3:20
